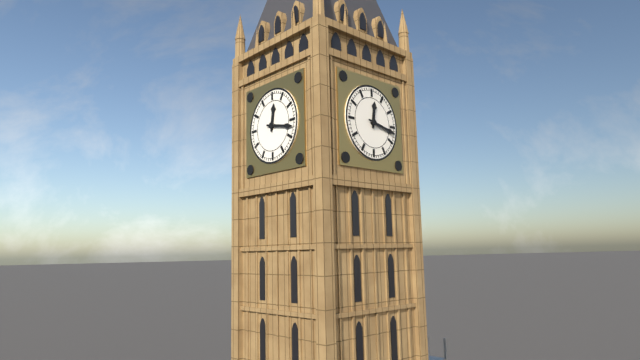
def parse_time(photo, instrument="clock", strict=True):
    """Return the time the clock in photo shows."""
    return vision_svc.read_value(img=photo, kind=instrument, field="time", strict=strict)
12:17
